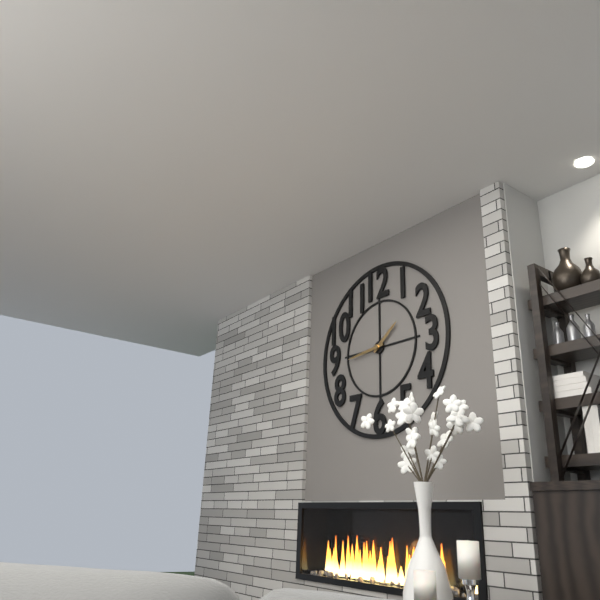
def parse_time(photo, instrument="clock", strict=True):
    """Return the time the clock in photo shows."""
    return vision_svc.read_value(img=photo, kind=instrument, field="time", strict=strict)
1:44
